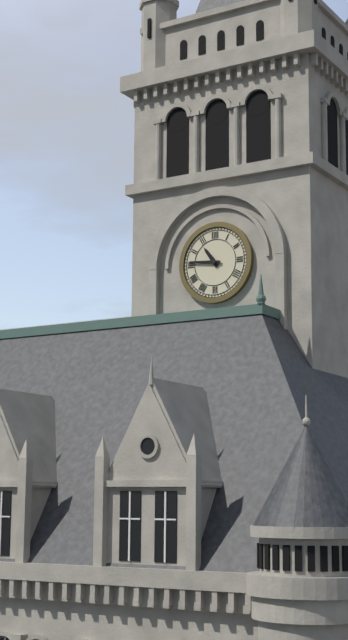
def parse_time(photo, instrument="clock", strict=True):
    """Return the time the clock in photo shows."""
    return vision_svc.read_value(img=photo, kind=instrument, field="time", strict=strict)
10:46
